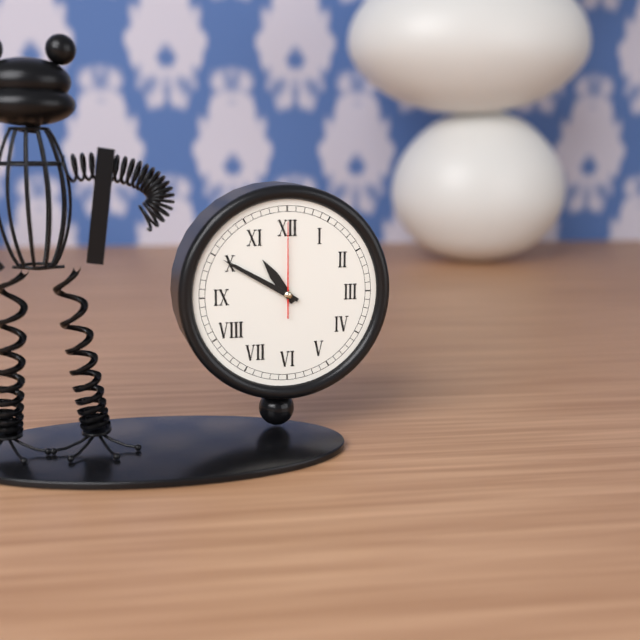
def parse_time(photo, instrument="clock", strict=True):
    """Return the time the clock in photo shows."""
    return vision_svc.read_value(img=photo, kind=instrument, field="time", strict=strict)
10:50:00
